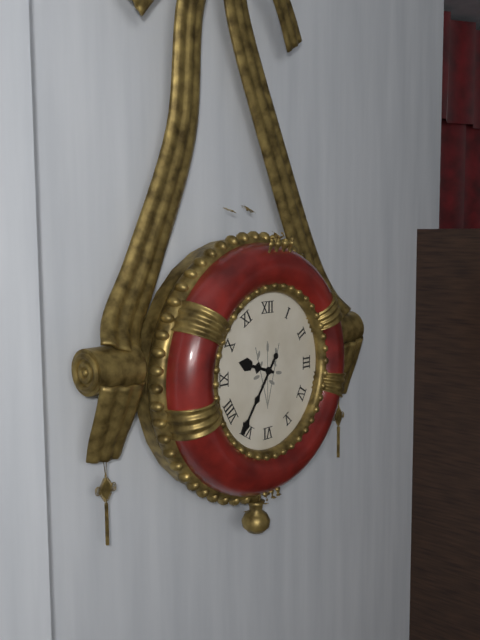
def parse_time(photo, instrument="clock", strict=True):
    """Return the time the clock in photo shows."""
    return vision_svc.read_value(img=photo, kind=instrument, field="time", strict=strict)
9:36
